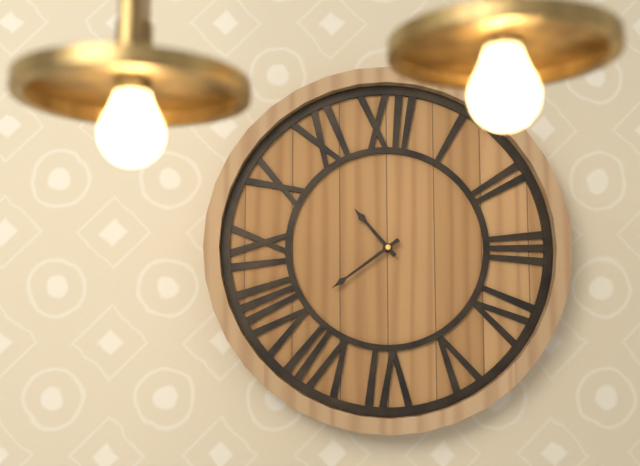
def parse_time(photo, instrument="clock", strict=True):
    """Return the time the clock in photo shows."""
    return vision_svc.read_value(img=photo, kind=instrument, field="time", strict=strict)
10:39
